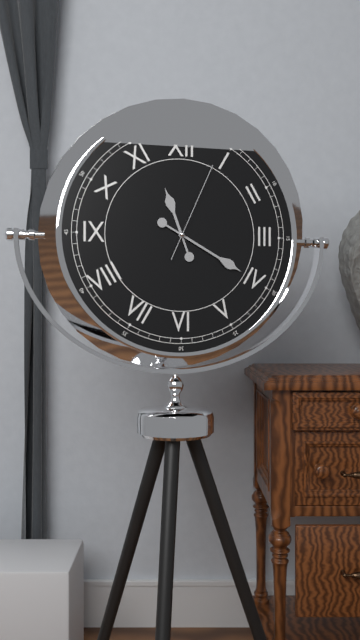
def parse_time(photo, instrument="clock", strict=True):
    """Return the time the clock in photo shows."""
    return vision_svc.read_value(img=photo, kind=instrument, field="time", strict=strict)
11:20:04
